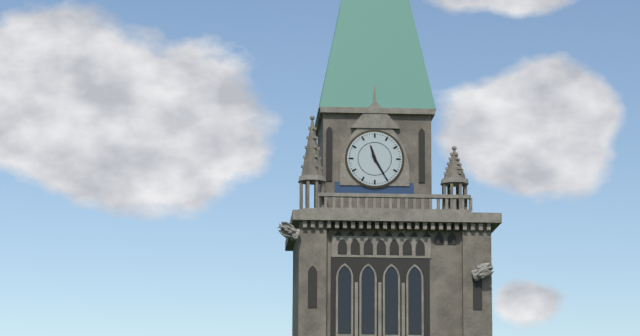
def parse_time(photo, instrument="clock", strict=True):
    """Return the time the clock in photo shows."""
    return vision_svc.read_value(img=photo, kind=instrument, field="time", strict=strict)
11:25
